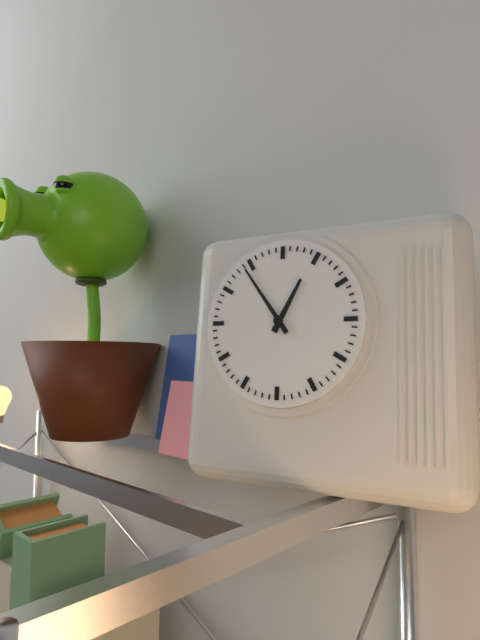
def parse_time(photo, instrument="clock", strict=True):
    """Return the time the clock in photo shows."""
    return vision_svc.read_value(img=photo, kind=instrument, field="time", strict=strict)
12:54
